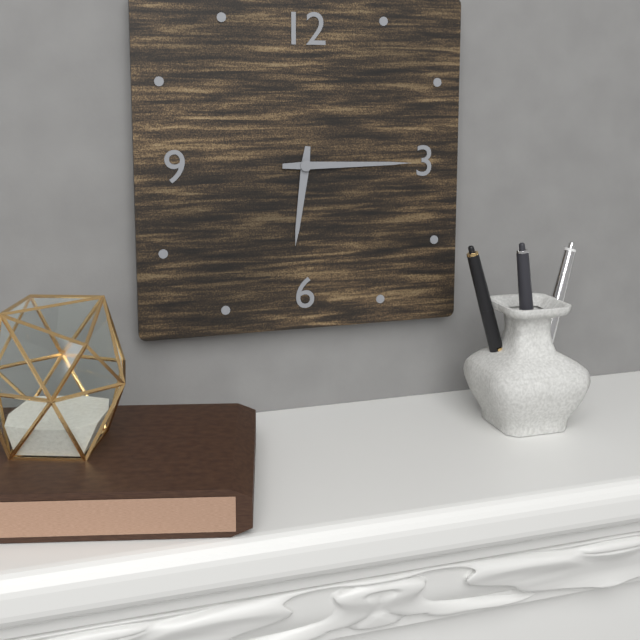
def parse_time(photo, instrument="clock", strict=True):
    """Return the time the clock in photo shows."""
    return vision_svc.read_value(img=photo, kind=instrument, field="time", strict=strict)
6:15
